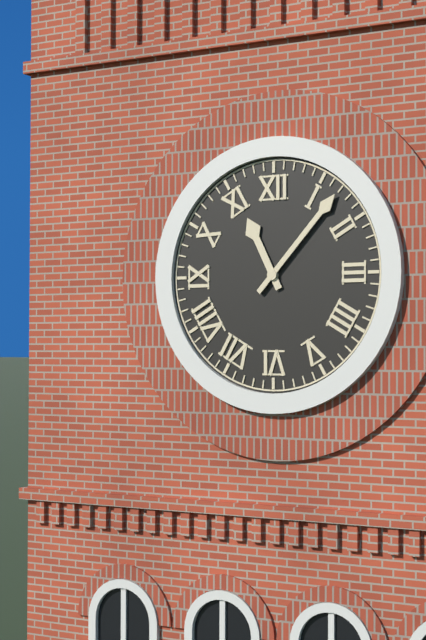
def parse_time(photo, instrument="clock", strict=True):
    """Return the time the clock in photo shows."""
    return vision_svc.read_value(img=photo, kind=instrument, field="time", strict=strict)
11:07
